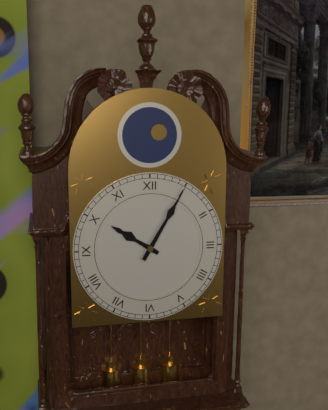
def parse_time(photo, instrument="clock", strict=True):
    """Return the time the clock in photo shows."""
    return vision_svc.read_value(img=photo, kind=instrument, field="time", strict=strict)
10:05
